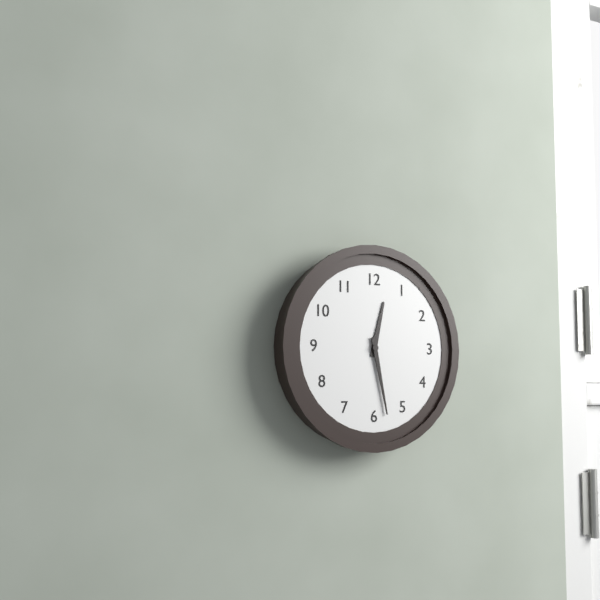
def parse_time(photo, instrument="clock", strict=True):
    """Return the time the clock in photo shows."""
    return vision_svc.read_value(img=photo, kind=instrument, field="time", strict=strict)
12:28
